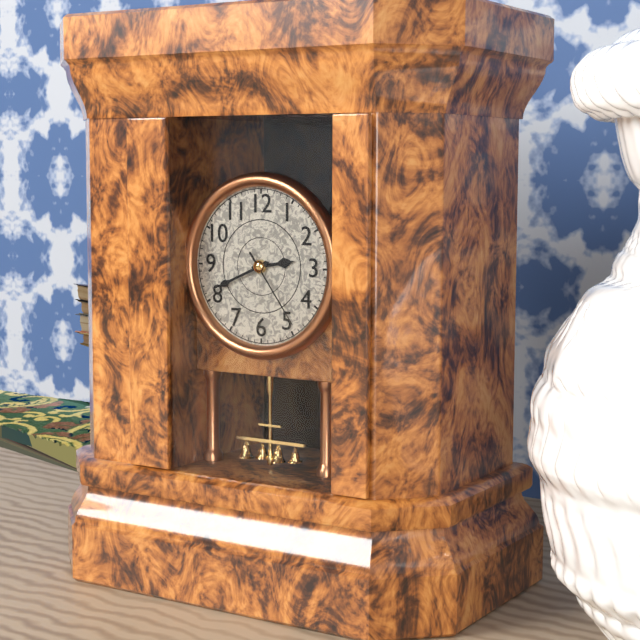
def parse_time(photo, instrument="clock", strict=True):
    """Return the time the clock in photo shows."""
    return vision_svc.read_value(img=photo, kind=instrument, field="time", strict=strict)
2:41:24
